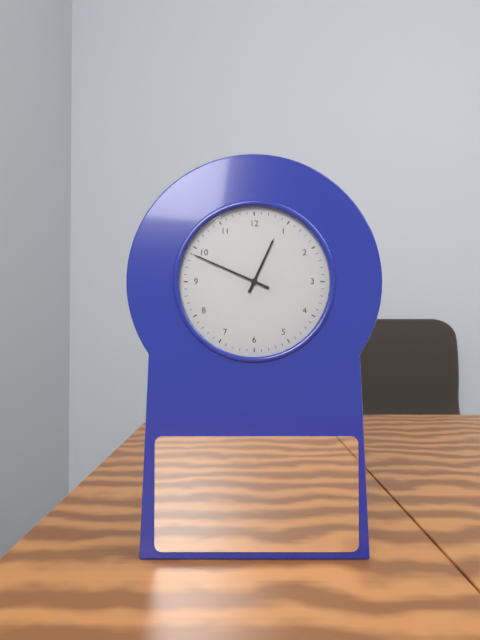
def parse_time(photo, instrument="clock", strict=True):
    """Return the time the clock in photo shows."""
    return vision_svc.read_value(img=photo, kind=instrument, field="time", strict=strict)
12:49
